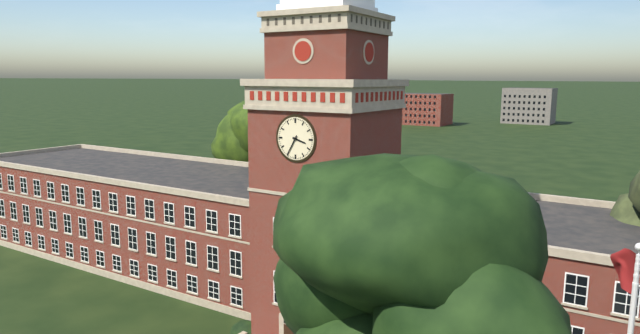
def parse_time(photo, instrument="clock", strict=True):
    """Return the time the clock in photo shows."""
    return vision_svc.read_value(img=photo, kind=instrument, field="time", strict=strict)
3:35
